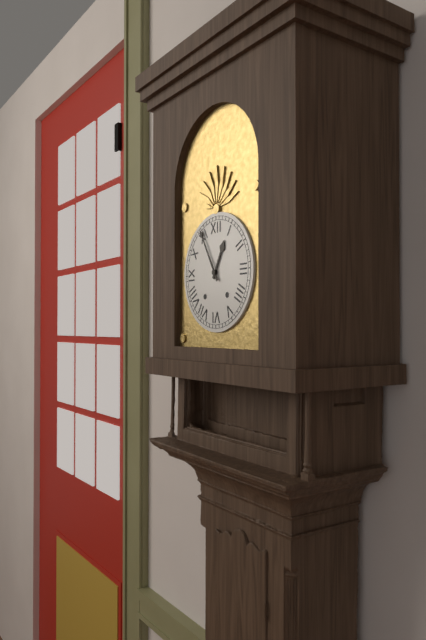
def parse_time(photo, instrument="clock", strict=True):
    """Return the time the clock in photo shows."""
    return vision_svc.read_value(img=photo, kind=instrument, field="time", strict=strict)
12:55
